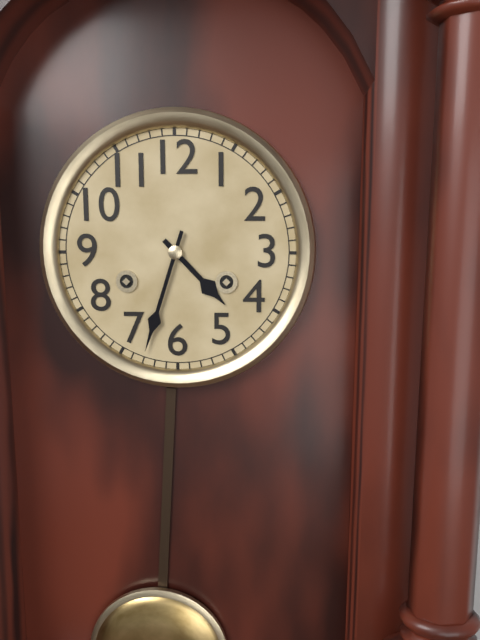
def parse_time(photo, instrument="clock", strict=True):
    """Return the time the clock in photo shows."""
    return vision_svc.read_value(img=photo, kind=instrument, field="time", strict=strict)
4:33
